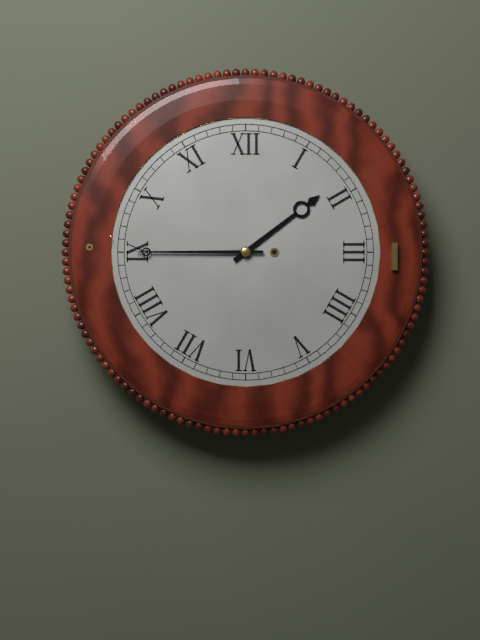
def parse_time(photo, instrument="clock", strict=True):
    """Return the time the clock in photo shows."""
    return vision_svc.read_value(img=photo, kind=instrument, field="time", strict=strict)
1:45
